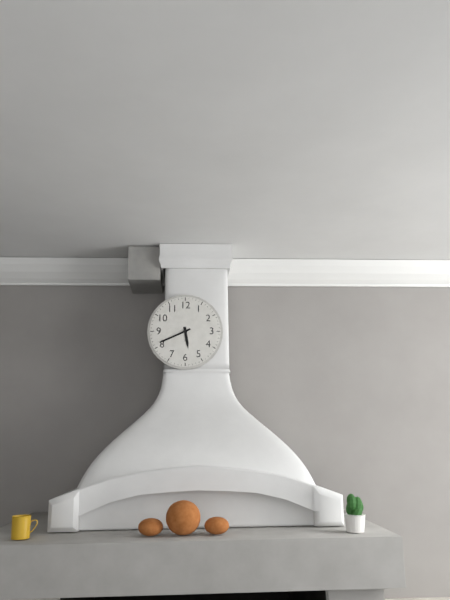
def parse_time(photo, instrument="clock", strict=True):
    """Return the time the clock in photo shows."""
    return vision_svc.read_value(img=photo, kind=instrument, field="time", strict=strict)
5:41
